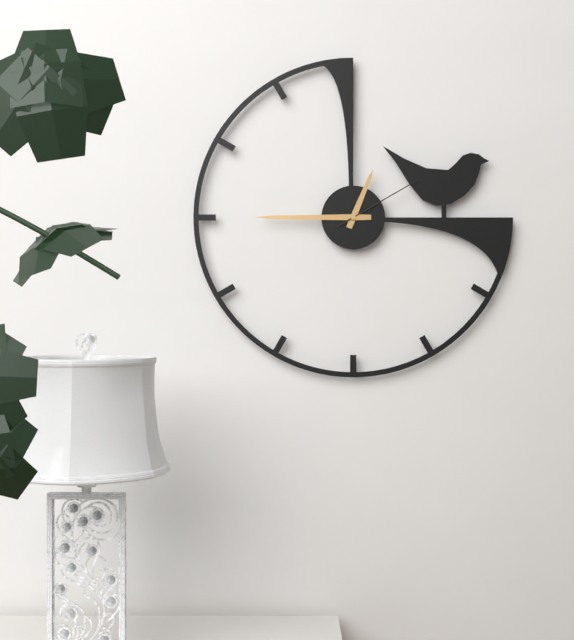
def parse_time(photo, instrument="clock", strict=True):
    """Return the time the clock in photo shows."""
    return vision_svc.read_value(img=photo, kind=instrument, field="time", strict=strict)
12:45:10
